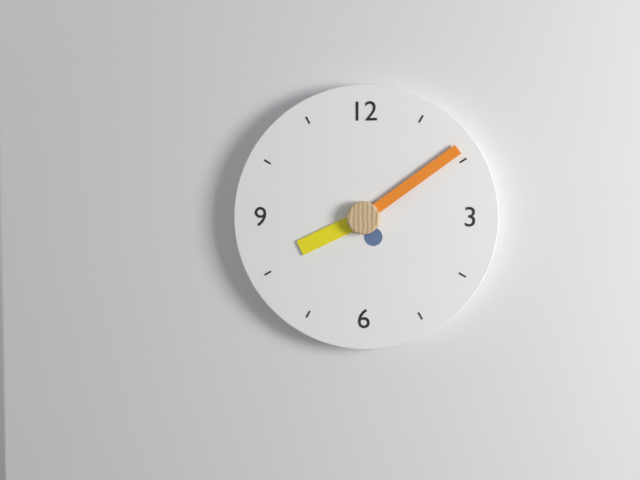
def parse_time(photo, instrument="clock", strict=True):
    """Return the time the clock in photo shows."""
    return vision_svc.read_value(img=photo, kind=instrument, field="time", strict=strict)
8:09
